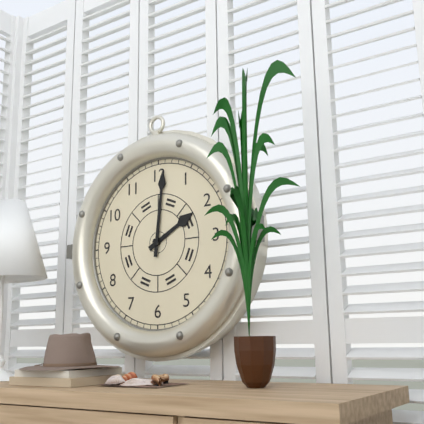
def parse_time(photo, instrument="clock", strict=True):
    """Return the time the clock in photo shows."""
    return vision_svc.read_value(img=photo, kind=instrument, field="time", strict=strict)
2:01
